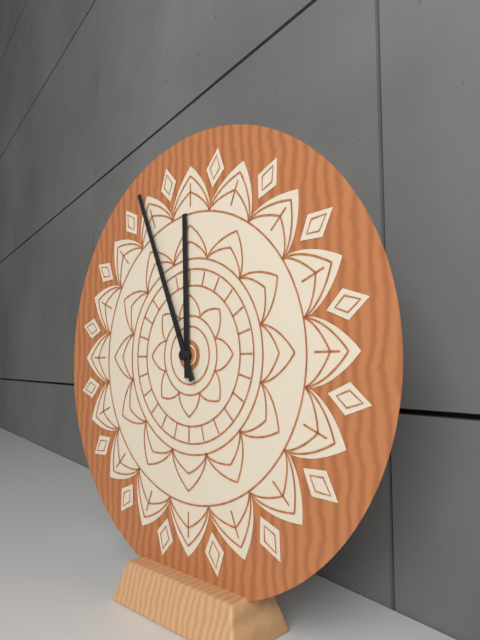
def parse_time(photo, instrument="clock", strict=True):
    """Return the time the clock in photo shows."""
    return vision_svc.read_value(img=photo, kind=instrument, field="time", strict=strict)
11:56
